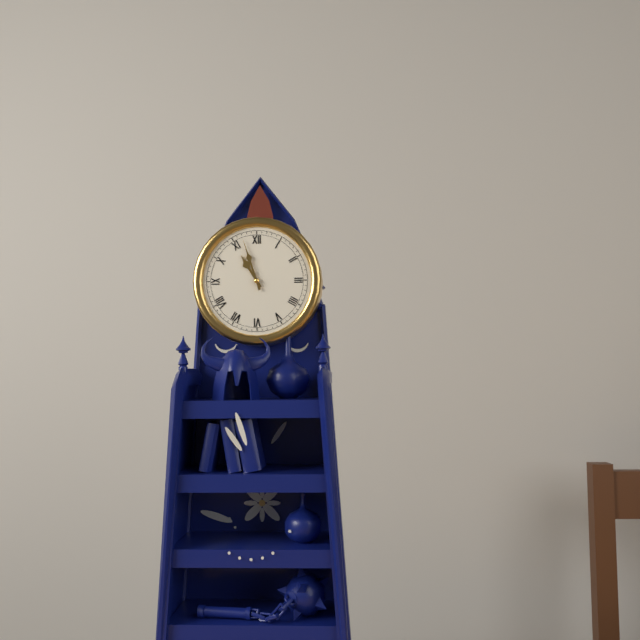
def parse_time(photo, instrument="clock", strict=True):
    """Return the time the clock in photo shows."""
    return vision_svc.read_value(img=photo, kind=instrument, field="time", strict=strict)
10:57
